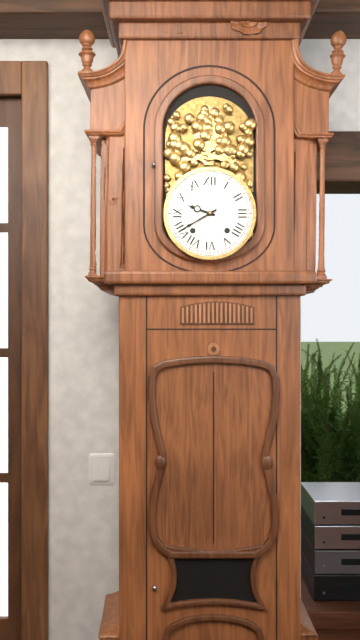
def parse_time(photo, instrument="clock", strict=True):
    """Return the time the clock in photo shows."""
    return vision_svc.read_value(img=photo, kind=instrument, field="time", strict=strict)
9:40
